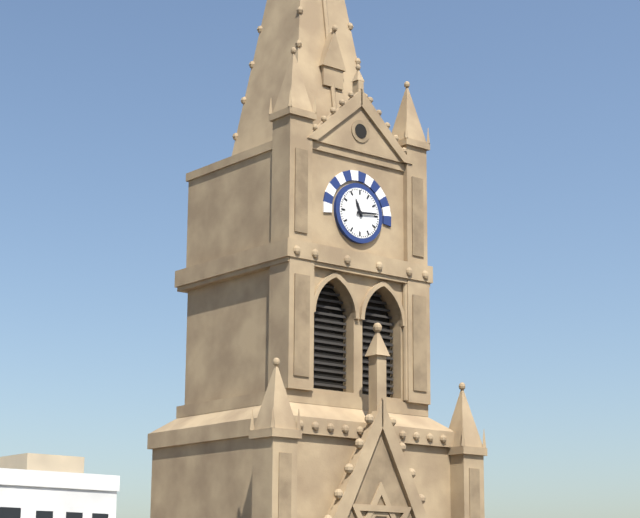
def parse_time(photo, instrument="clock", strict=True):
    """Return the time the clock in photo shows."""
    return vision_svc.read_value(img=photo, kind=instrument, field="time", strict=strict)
11:14
